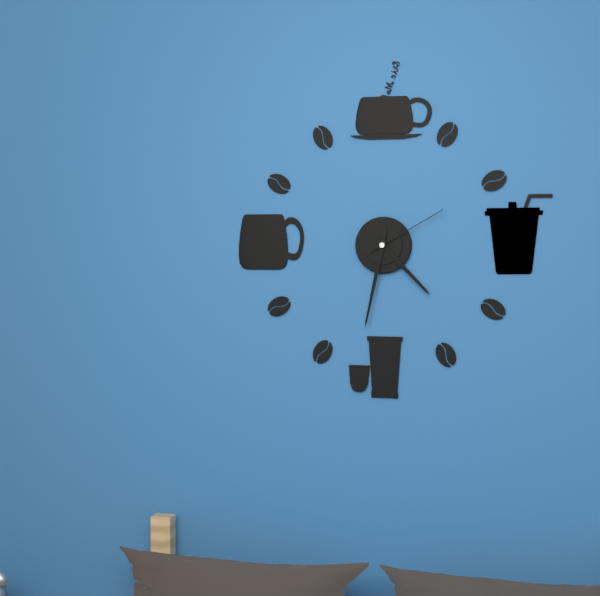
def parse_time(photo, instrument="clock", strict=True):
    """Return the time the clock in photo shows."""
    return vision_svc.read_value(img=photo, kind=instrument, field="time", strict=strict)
4:32:10
